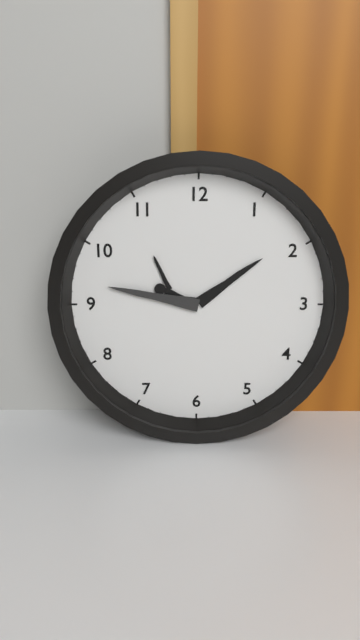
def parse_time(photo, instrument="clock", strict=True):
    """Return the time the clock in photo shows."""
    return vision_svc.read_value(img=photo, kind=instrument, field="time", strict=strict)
1:47
